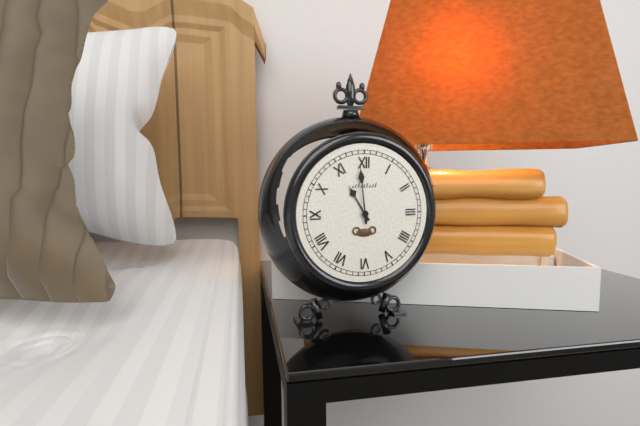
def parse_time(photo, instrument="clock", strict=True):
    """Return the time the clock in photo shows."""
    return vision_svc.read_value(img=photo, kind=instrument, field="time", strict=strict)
10:59
